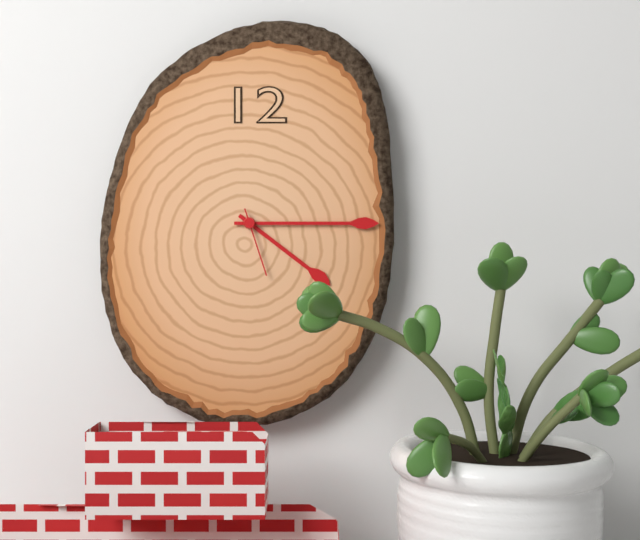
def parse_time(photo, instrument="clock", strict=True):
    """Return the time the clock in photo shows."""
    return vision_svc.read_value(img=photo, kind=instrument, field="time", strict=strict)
4:15:27
